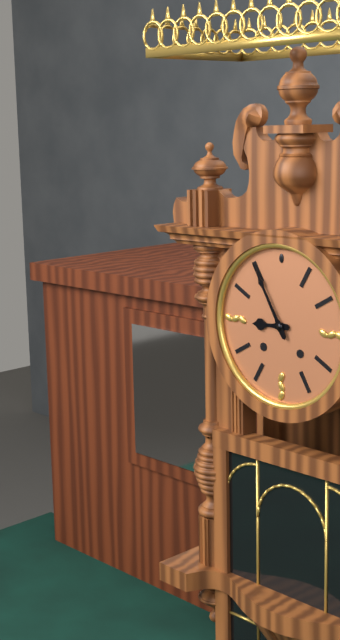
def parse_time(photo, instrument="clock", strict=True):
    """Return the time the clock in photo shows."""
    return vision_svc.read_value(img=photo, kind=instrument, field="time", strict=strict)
8:55
